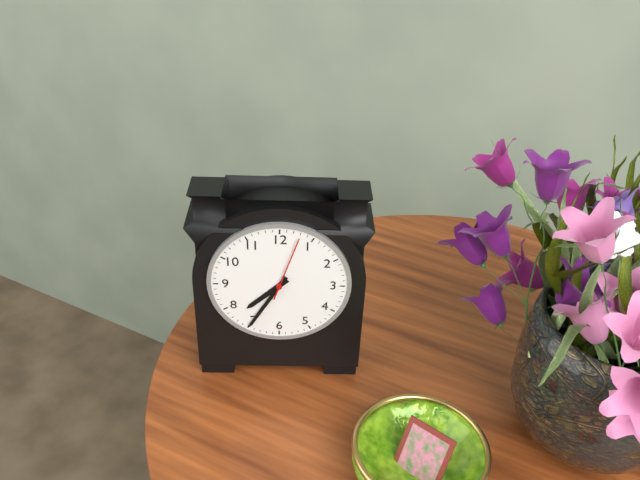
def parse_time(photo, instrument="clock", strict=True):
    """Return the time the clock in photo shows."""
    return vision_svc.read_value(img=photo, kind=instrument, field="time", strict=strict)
7:35:03
